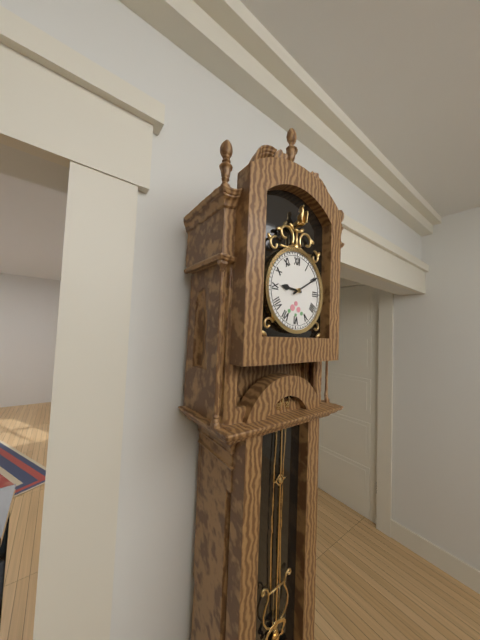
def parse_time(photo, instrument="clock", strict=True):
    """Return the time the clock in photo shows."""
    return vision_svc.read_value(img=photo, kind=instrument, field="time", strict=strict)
9:10
